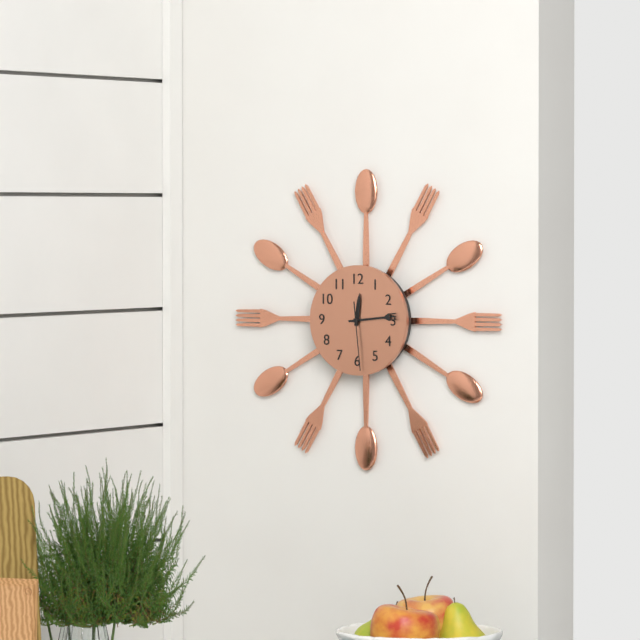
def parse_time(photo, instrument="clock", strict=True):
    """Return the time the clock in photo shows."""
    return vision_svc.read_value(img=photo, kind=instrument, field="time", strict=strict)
12:14:29
